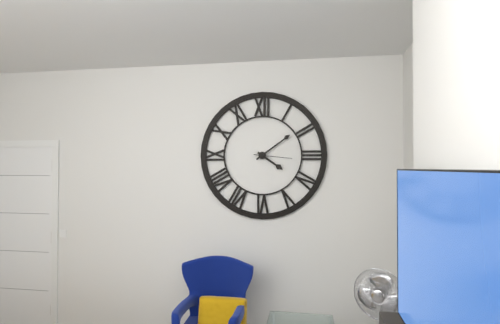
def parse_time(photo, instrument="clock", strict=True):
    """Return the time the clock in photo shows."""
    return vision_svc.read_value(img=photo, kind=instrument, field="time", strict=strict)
4:09
